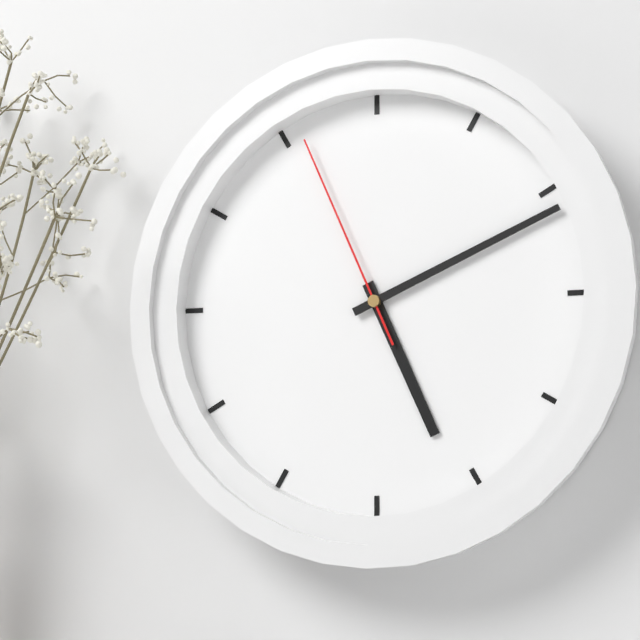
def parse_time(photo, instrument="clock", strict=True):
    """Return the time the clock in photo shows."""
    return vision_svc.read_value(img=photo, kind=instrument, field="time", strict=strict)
5:11:56
